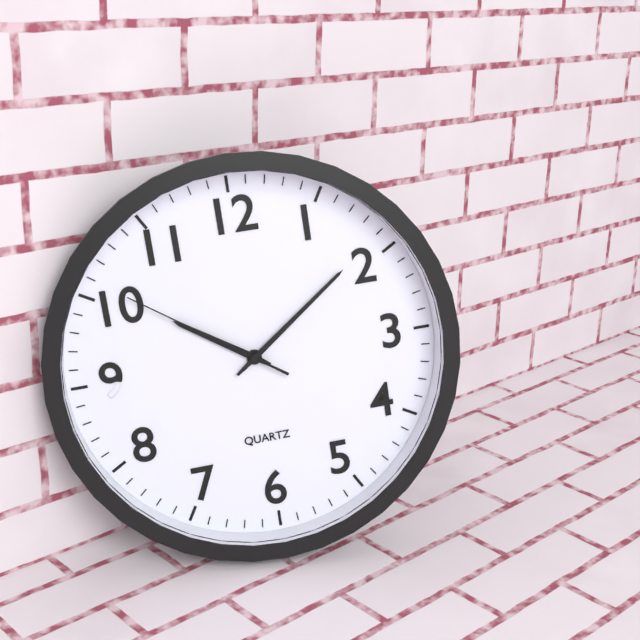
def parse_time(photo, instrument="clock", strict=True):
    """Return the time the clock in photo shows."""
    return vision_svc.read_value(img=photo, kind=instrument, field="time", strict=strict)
10:09:51
